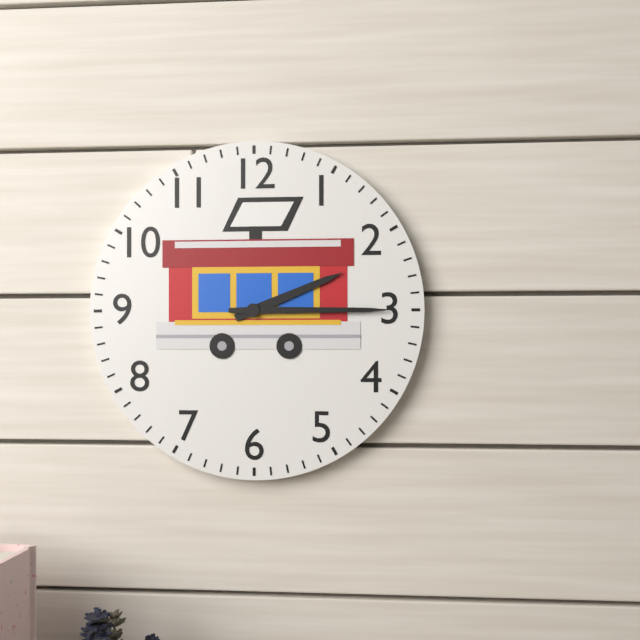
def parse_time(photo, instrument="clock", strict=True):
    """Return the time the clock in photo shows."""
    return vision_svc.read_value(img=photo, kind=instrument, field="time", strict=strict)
2:15
